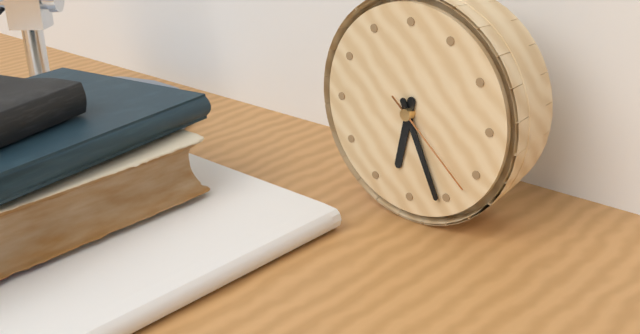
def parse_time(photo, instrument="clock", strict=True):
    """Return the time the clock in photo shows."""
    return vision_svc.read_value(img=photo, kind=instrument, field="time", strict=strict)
6:26:22
